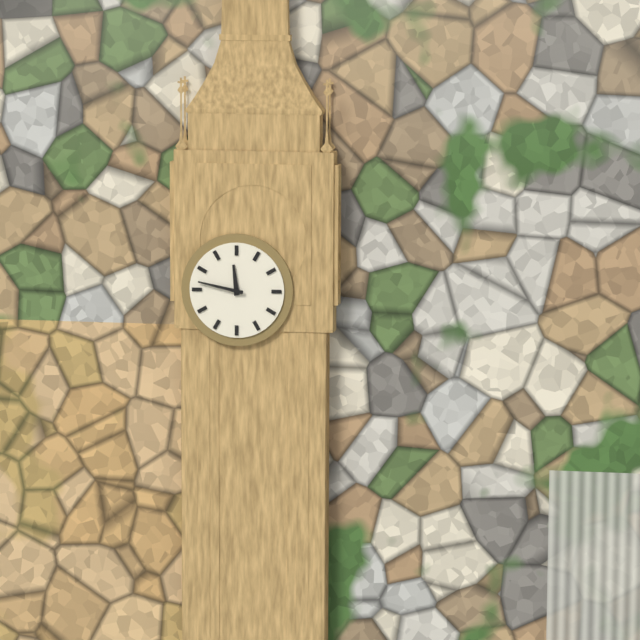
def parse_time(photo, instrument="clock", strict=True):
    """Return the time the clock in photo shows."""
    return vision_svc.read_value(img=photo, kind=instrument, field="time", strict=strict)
11:47
